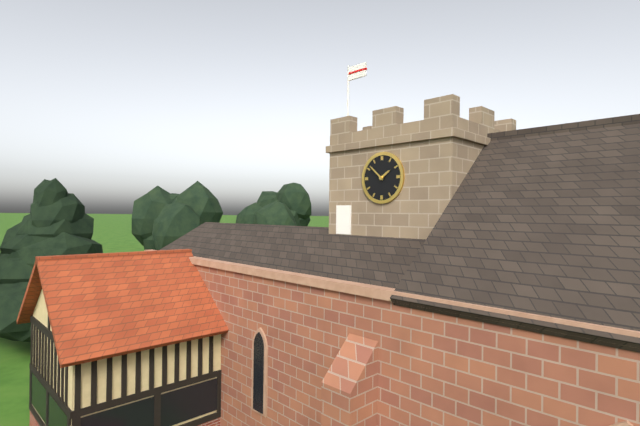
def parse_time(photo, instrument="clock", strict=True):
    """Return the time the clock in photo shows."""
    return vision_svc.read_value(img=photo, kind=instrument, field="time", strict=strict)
1:52
